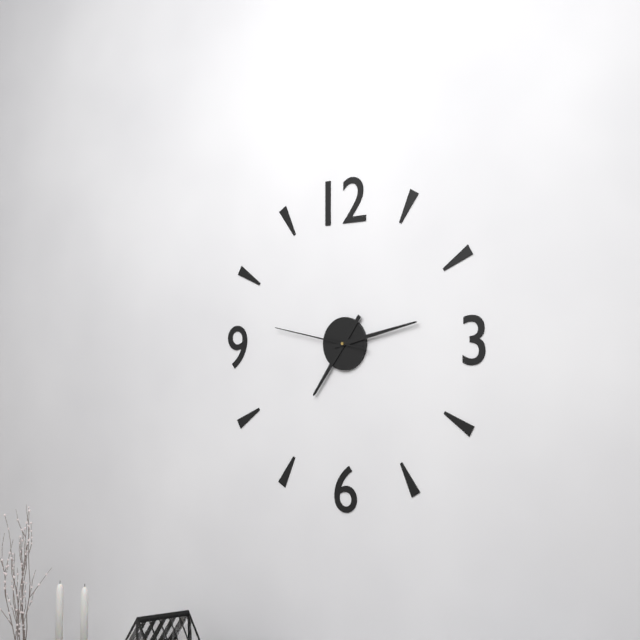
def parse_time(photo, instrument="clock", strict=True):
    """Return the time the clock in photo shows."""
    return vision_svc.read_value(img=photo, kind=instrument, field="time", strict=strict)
7:13:47
